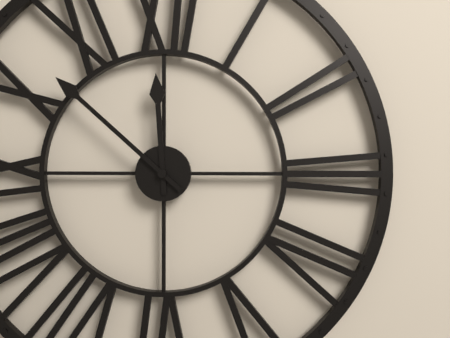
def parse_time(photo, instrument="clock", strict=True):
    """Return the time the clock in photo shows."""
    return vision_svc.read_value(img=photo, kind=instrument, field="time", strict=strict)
11:52
